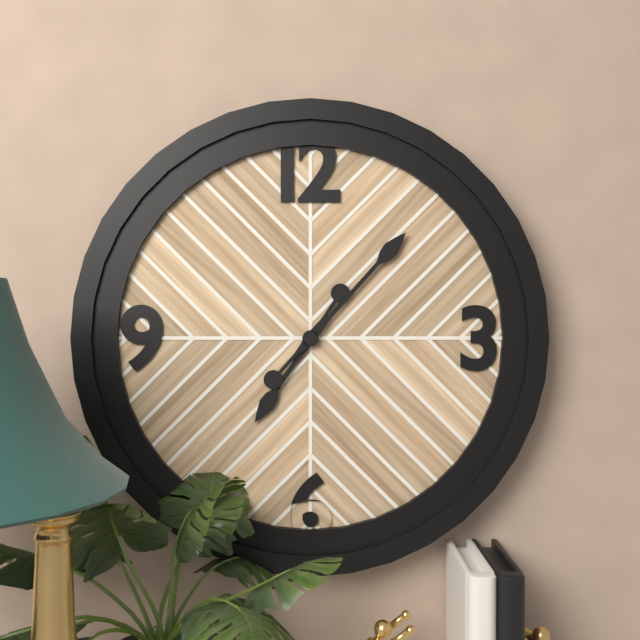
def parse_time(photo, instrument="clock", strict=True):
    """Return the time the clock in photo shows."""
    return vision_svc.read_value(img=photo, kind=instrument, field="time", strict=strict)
7:07
